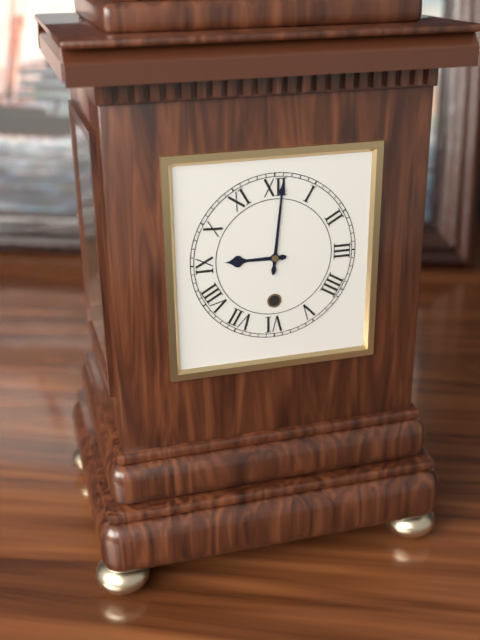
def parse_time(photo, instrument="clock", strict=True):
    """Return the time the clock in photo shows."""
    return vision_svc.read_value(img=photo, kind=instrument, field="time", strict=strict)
9:01
